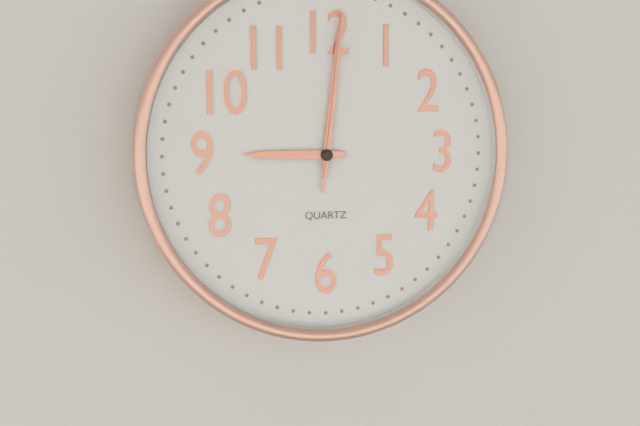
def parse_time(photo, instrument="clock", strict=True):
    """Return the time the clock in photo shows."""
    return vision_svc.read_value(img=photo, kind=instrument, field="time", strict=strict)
9:01:01
